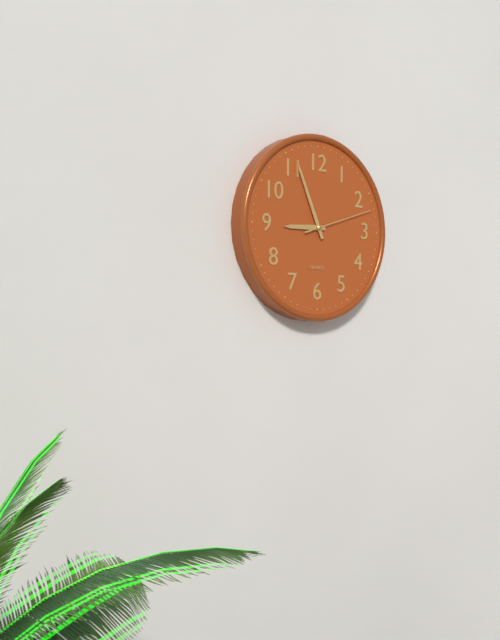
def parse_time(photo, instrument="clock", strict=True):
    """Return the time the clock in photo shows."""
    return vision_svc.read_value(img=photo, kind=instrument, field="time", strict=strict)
8:56:12
